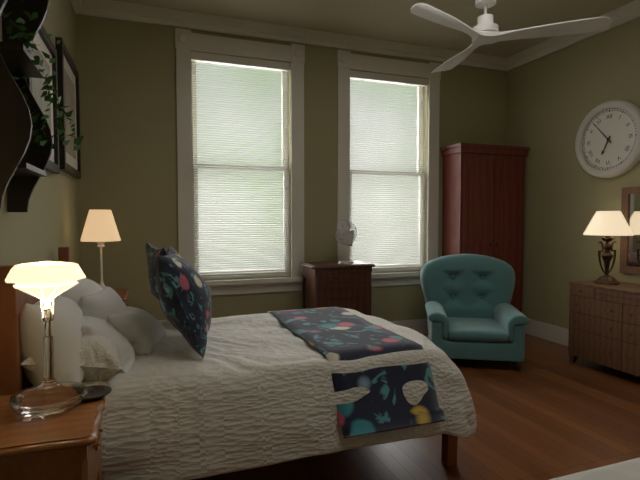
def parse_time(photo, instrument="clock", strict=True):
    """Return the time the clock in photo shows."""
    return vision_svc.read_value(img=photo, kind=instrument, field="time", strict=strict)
6:53
